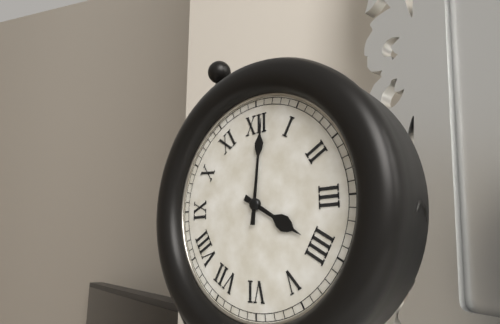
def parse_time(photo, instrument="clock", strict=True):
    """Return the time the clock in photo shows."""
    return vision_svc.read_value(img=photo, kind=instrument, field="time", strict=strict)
4:01
